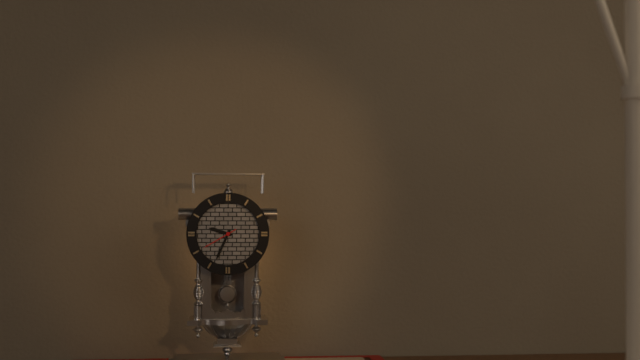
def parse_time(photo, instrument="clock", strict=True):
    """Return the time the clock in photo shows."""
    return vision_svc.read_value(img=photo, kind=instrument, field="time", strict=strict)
9:34
